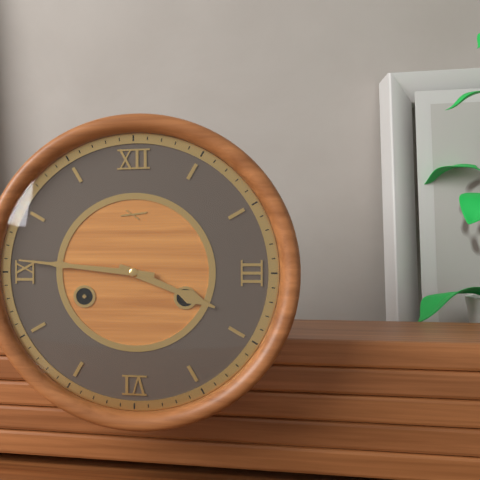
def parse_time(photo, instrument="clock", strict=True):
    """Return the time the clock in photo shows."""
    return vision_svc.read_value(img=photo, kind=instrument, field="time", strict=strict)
3:46
